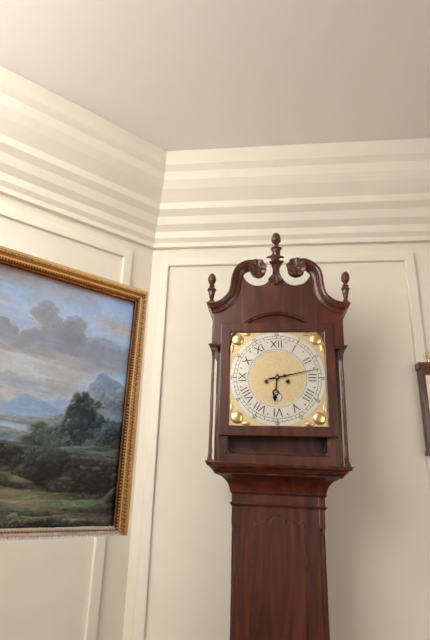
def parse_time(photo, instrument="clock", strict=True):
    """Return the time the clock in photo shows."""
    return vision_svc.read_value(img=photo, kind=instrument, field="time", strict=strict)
6:13
